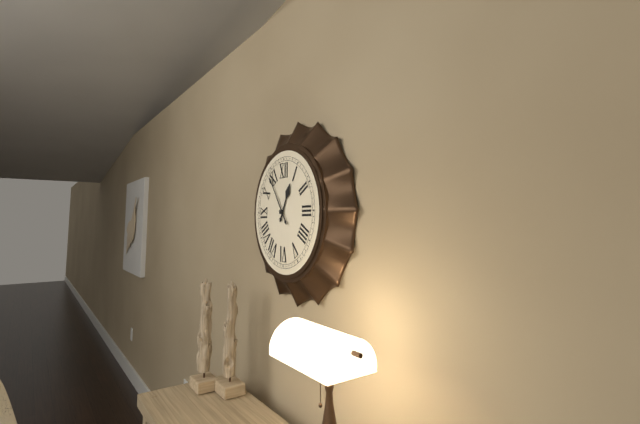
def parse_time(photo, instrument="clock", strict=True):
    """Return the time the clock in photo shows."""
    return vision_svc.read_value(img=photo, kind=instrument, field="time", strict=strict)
12:54
